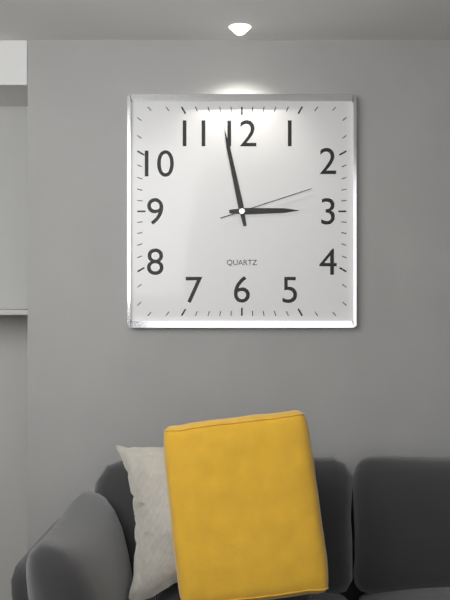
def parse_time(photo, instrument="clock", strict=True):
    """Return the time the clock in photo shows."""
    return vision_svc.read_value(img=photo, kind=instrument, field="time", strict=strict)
2:58:12
